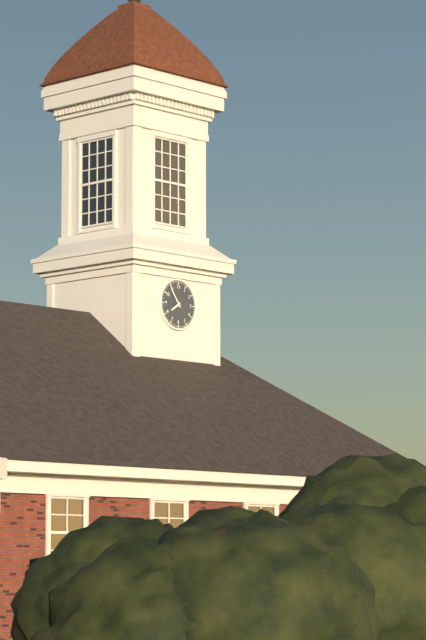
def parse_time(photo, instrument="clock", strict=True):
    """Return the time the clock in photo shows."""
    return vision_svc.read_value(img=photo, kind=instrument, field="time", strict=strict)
7:54
